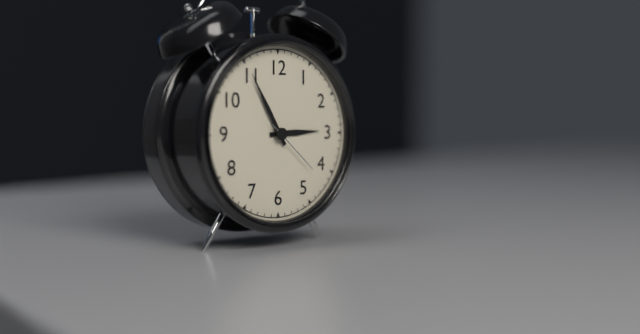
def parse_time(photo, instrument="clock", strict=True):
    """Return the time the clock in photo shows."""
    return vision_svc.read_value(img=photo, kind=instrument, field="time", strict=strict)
2:55:22
